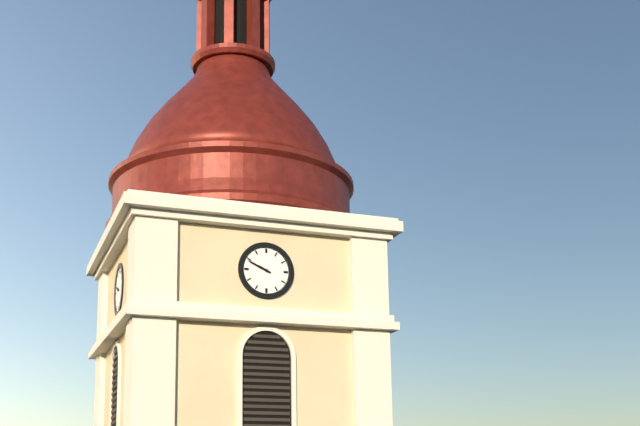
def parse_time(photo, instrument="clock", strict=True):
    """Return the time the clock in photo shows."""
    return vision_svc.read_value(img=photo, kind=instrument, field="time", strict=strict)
9:49
